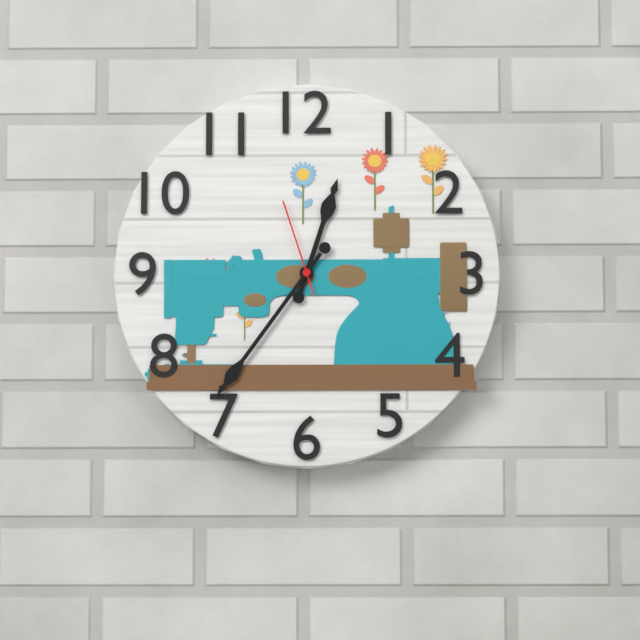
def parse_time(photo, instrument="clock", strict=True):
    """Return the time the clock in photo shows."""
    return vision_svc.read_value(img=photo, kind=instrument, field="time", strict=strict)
12:36:57
